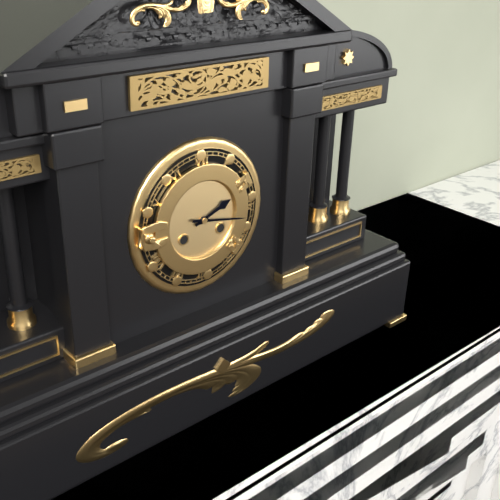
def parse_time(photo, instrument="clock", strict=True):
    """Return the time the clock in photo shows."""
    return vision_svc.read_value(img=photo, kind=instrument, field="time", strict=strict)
2:17
